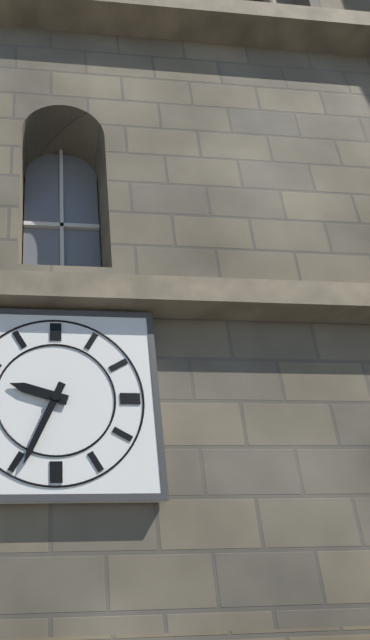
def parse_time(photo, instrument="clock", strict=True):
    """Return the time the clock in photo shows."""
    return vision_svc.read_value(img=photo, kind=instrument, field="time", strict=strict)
9:34
